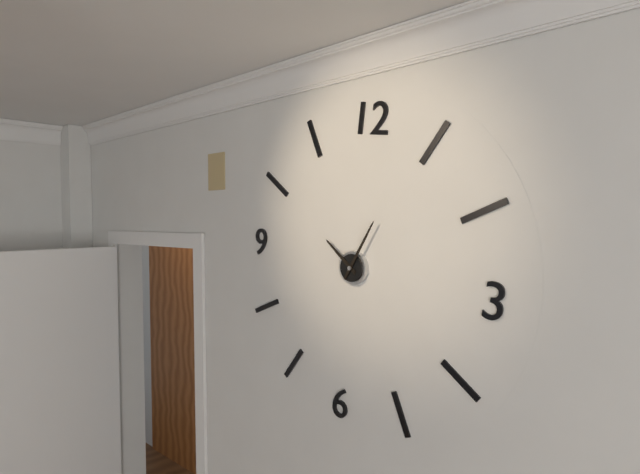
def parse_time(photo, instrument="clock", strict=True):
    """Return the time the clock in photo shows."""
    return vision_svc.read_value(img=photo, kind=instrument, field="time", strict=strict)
10:04
